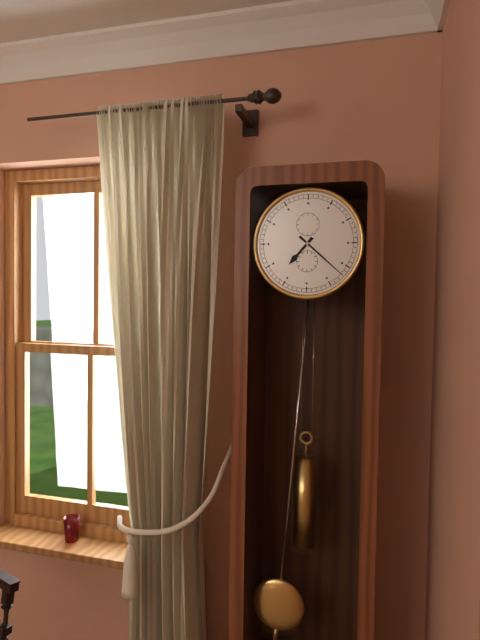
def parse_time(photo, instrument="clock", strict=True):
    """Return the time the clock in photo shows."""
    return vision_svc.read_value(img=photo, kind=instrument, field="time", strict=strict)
7:22
